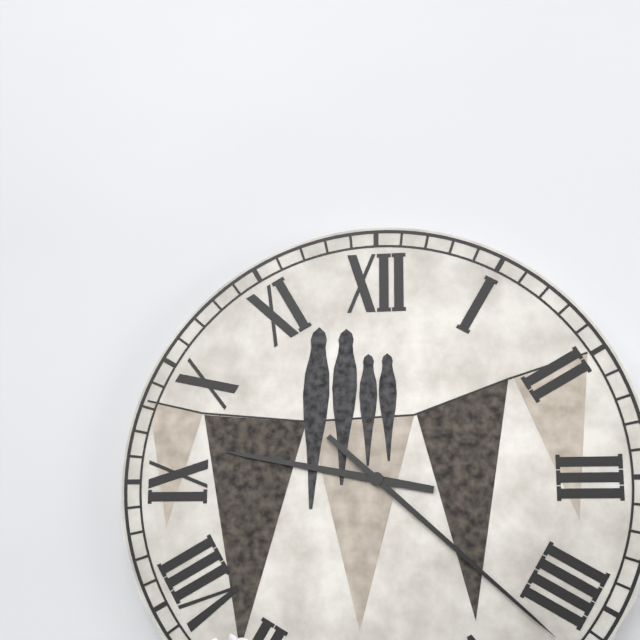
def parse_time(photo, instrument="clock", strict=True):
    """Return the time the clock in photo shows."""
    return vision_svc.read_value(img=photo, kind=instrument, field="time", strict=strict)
9:22
